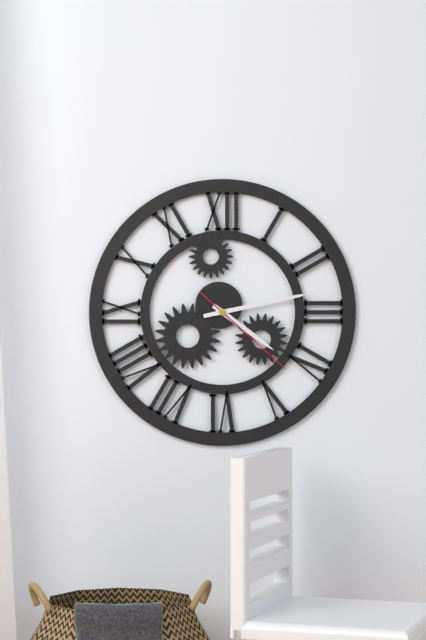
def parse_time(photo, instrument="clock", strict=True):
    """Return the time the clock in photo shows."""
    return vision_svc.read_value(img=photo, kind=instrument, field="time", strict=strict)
4:13:22
